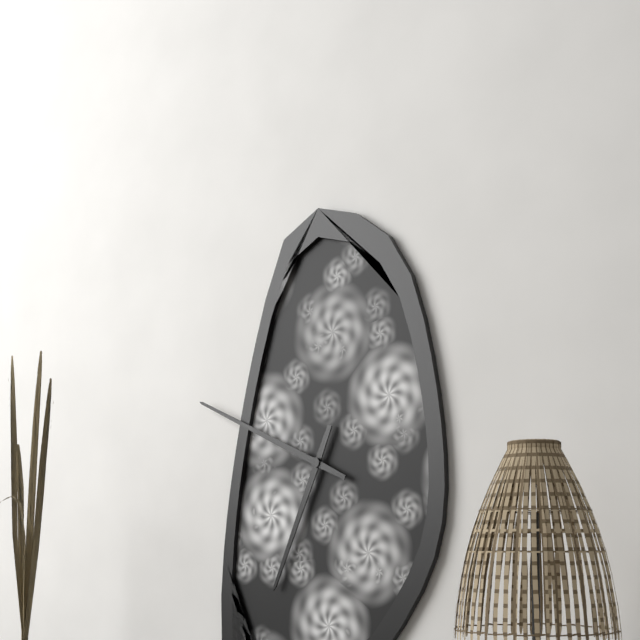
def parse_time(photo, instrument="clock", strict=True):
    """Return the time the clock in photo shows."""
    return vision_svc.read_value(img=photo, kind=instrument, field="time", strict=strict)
6:49
